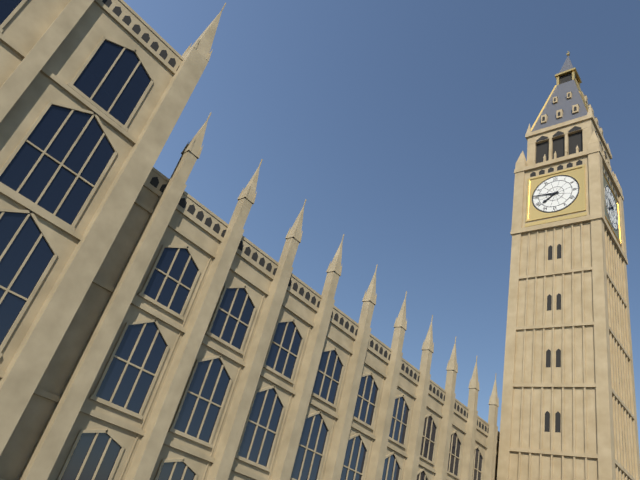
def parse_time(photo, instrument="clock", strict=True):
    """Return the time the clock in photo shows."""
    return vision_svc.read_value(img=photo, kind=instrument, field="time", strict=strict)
7:46
